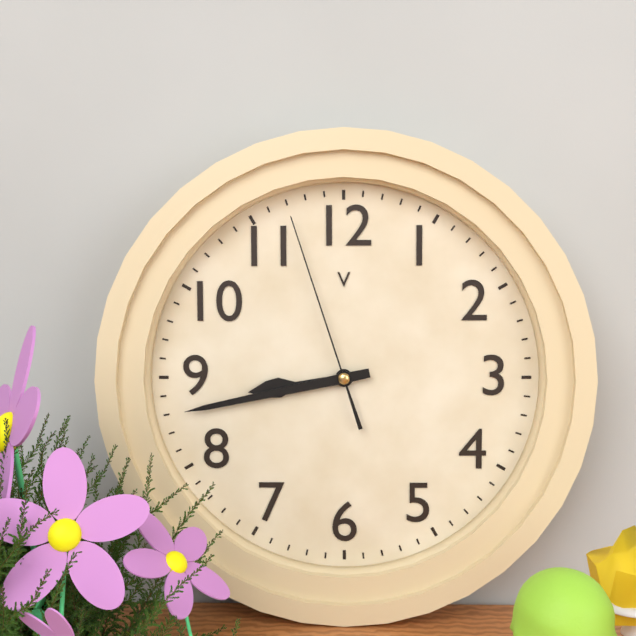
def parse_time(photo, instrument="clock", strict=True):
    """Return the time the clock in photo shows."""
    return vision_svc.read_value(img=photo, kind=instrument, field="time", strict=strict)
8:43:57
